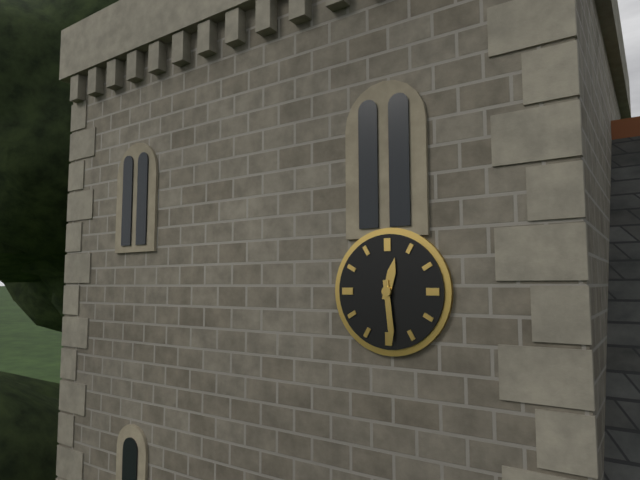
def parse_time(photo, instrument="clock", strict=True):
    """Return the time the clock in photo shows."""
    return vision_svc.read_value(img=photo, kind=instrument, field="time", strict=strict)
12:29
